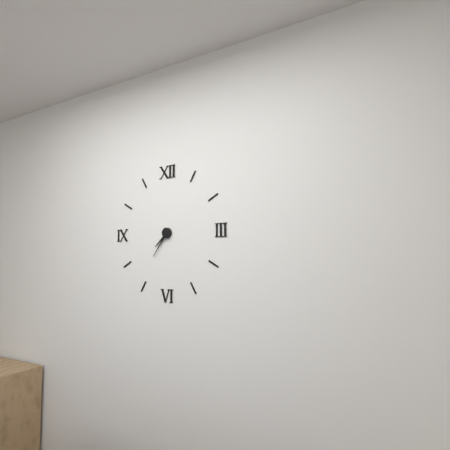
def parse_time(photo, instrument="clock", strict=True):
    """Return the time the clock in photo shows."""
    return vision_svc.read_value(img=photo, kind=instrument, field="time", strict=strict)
7:36
